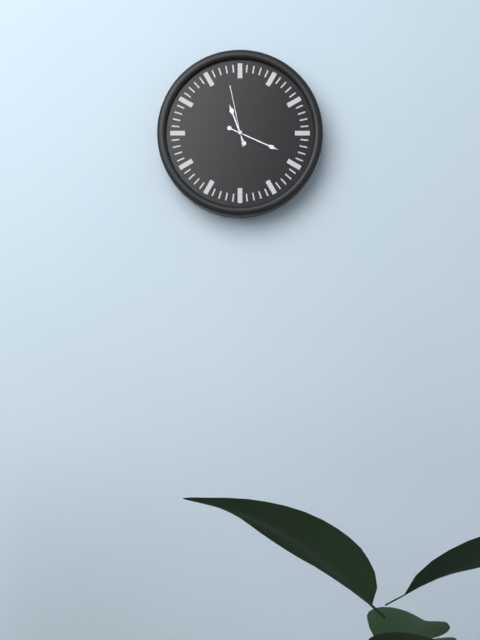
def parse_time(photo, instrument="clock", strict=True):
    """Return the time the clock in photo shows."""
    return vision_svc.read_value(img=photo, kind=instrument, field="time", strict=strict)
11:19:58
